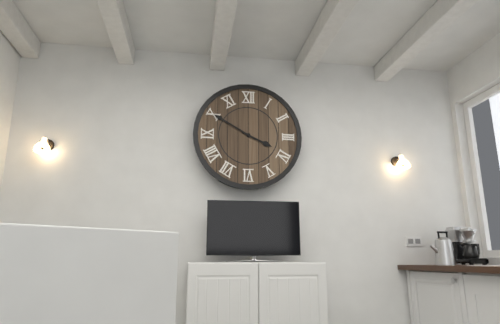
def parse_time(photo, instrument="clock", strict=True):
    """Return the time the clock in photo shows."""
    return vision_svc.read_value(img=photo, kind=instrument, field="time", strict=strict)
3:50
